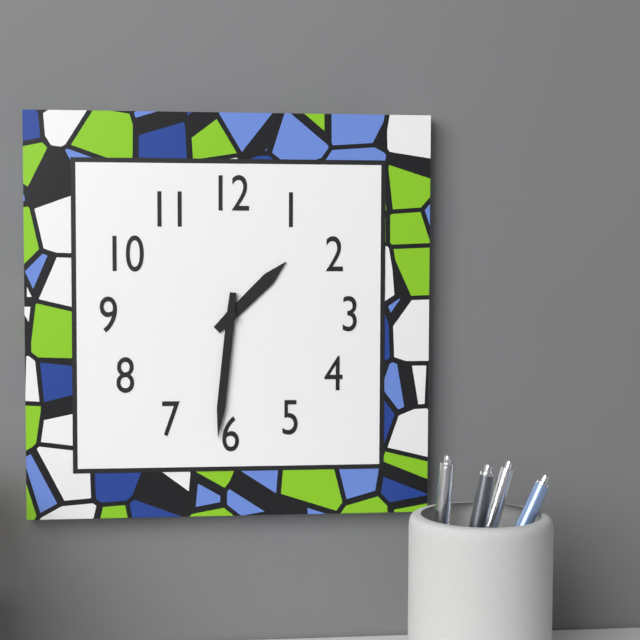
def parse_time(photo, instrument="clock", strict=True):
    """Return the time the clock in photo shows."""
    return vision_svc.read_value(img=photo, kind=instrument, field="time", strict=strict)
1:31
